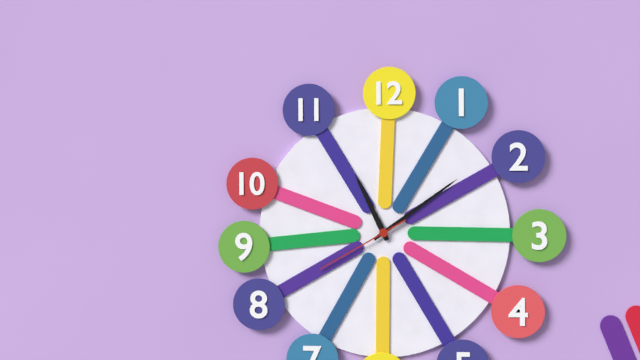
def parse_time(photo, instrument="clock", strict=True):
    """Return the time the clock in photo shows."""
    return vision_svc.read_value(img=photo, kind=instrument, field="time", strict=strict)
11:09:40
